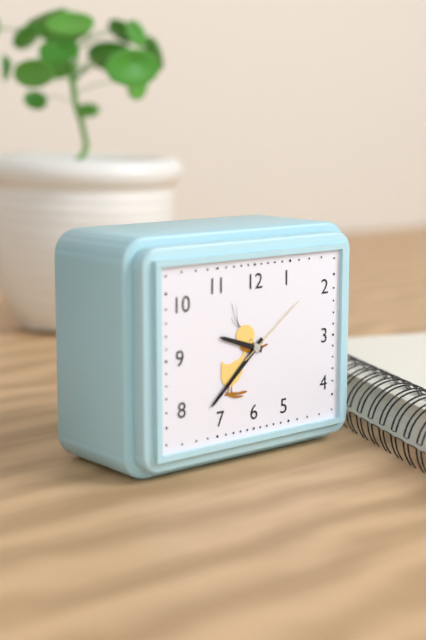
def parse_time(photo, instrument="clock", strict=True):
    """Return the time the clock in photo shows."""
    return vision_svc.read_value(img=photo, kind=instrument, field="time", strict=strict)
9:38:09
